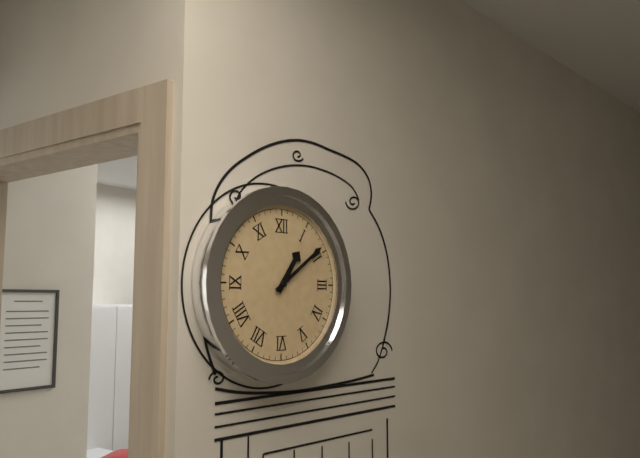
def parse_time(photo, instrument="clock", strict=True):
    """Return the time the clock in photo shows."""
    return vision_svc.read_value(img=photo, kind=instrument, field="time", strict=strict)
1:09
